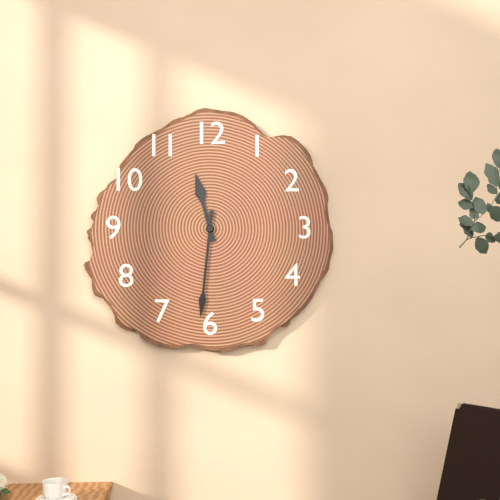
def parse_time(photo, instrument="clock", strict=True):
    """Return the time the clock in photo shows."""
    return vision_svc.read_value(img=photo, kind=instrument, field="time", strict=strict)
11:31
